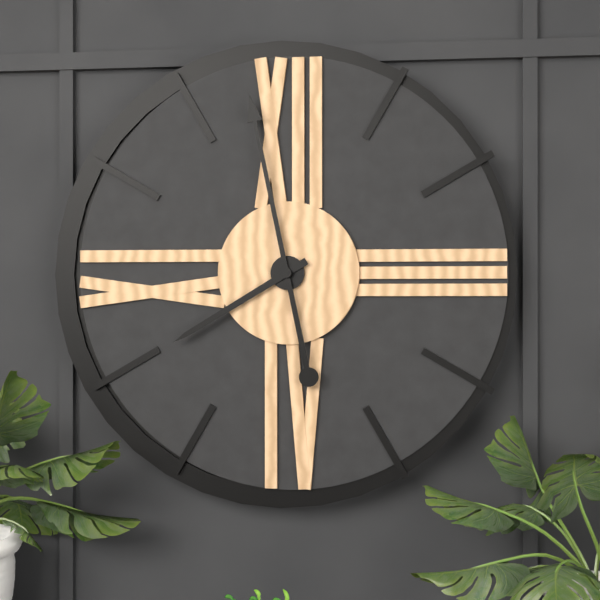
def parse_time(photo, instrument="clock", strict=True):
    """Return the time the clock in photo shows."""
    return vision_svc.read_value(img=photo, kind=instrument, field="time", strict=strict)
7:58
